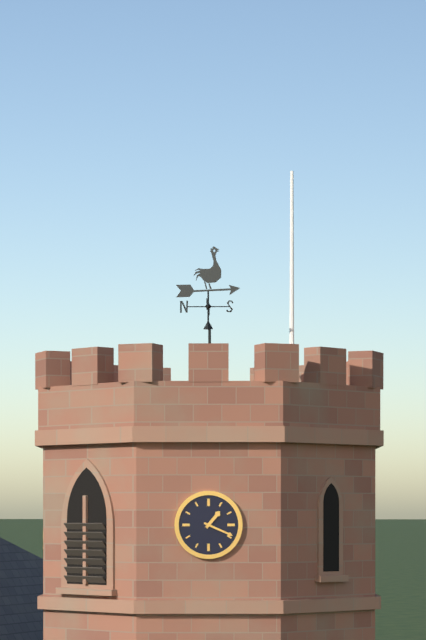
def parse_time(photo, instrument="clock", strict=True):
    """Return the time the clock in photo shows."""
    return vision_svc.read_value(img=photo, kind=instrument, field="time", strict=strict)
1:19
